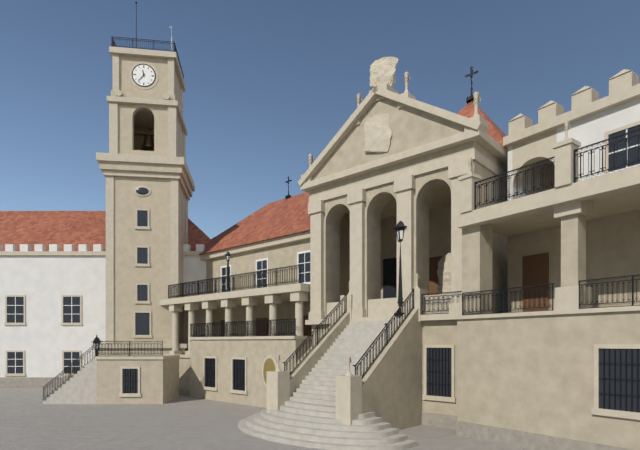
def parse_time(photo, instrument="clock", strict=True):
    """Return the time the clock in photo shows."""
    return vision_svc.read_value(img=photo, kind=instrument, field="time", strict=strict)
11:37
